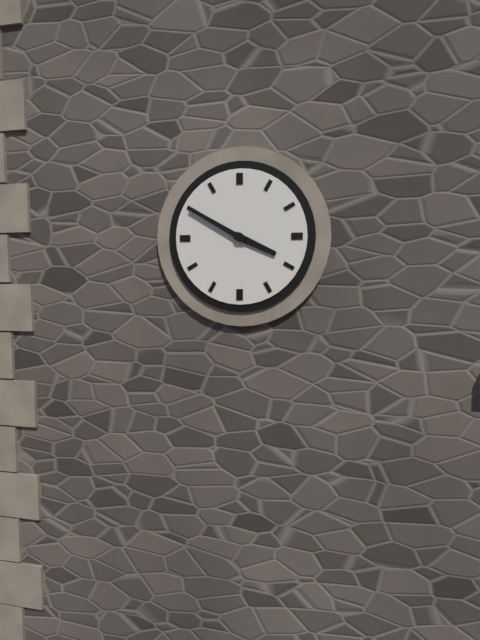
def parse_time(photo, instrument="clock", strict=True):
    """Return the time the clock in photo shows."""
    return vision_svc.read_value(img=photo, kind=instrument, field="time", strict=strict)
3:50
